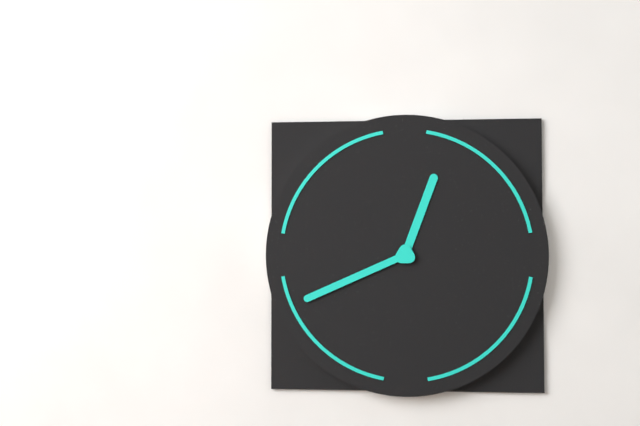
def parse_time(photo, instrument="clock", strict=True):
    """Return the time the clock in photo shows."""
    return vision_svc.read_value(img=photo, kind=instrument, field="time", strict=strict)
12:41
